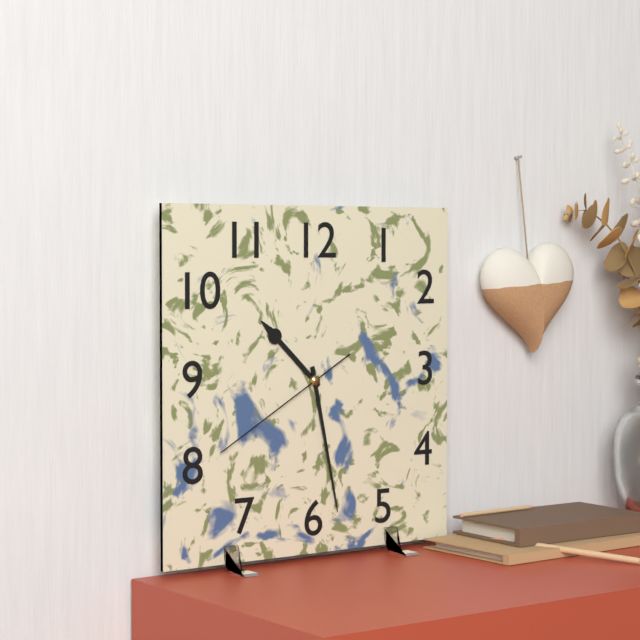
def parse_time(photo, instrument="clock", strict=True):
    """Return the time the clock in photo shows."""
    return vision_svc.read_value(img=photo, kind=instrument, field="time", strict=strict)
10:28:40
